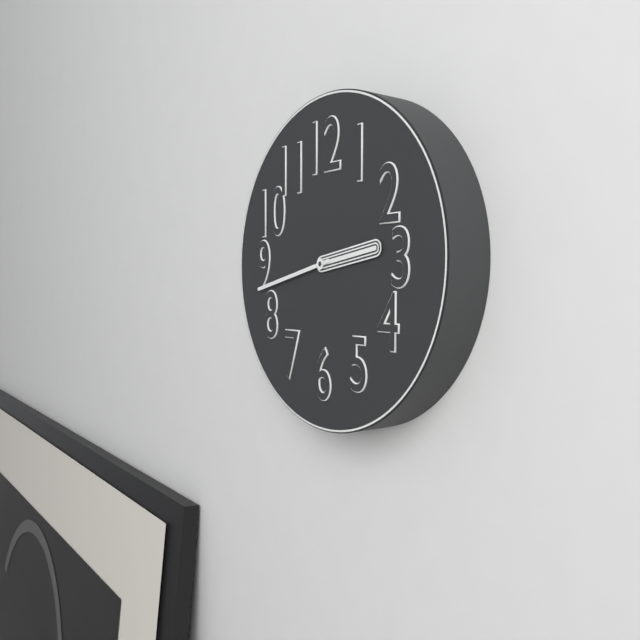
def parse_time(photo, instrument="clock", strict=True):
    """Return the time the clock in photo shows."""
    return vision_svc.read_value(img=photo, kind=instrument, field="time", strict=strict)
2:43
